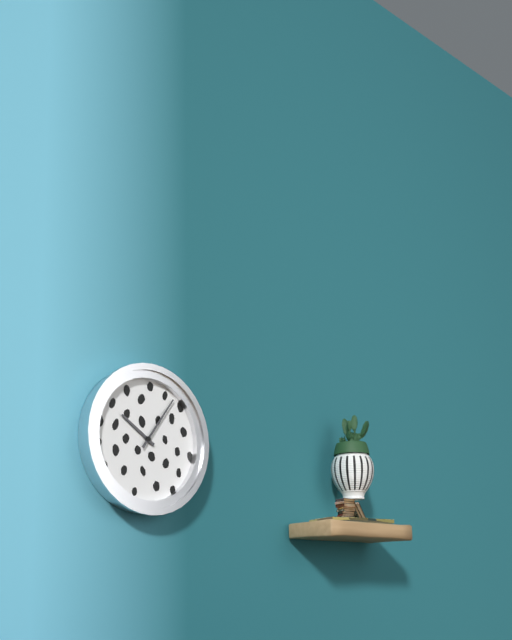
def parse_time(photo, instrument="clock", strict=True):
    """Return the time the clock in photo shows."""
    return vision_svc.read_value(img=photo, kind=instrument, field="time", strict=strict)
10:06
